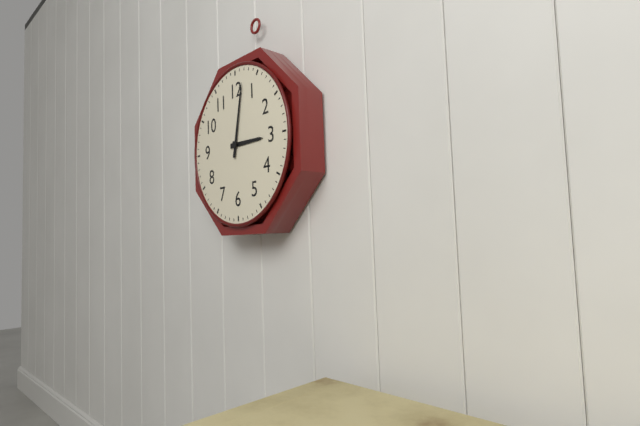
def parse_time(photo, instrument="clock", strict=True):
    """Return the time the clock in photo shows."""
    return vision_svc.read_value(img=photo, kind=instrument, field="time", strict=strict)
3:02
